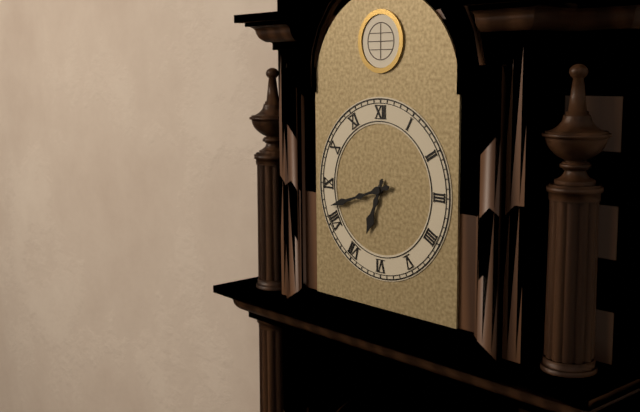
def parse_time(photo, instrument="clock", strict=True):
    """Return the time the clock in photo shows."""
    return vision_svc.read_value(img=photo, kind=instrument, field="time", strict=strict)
6:42
